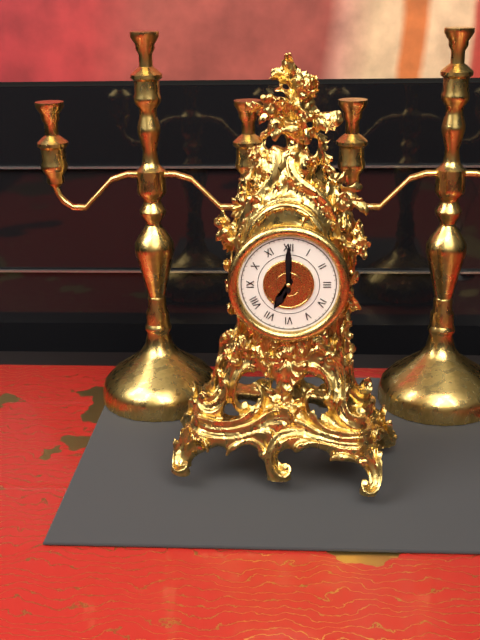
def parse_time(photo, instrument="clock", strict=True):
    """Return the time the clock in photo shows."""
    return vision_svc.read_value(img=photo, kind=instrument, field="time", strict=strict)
7:00
